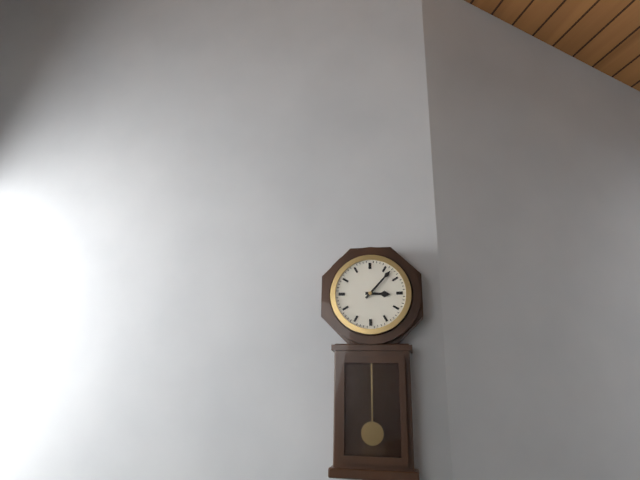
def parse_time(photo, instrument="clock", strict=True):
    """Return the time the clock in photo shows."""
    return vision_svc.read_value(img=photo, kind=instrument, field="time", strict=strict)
3:07
